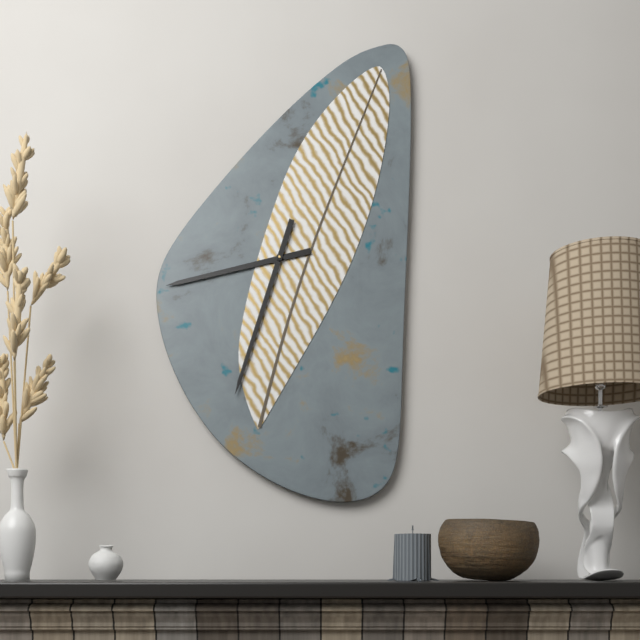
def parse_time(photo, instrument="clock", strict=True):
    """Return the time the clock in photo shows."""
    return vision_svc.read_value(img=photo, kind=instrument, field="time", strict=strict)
8:33
